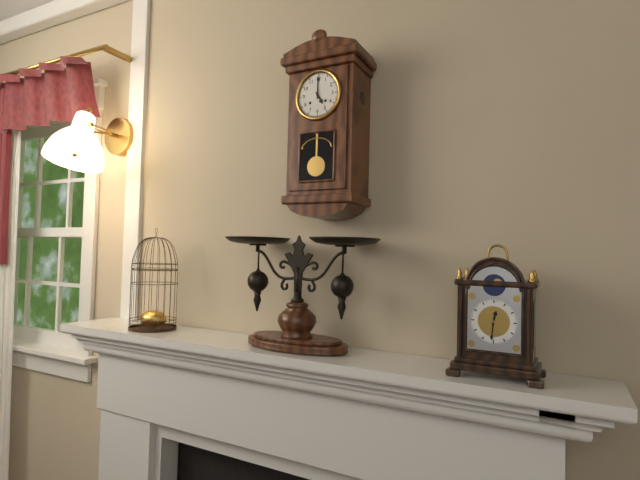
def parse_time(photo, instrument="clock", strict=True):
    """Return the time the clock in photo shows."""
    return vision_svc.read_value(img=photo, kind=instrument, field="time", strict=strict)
5:00
